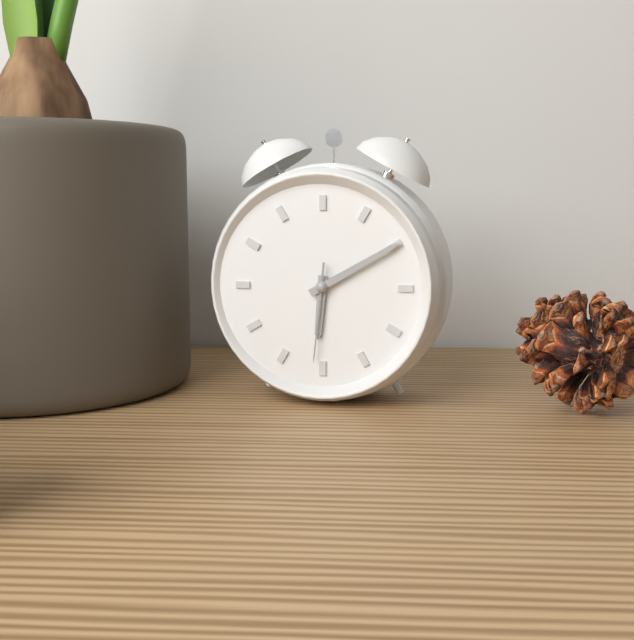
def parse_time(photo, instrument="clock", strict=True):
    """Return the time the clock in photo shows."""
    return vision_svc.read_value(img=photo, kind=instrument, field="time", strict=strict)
6:10:31
